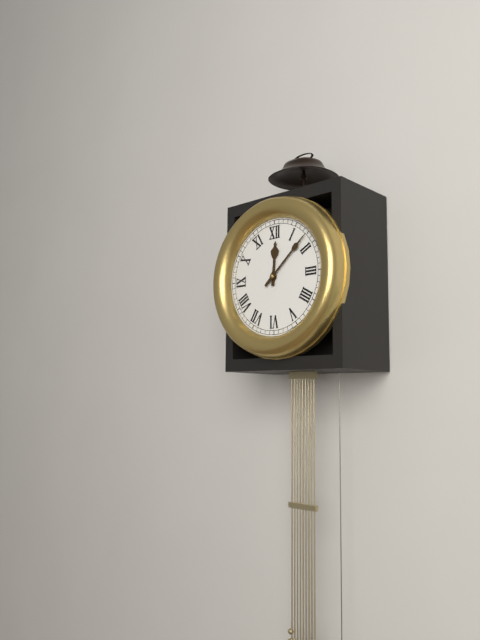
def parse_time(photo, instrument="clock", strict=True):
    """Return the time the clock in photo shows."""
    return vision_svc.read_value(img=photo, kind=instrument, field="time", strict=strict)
12:08
